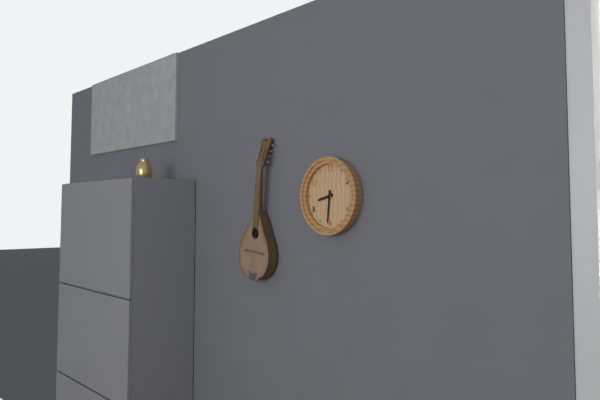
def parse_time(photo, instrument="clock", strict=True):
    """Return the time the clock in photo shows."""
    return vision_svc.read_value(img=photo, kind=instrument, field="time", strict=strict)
8:31
